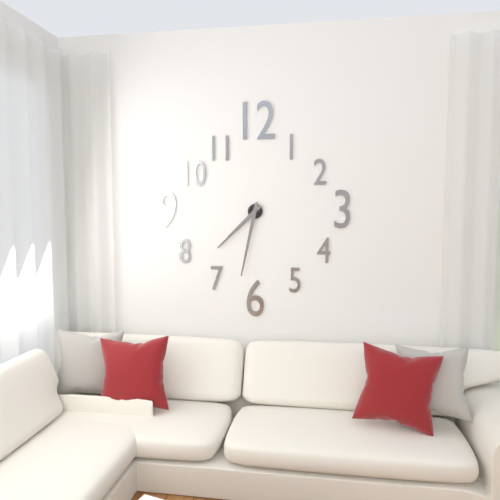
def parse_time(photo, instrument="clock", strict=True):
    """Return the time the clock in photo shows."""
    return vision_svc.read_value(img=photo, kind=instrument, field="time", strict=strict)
7:32
